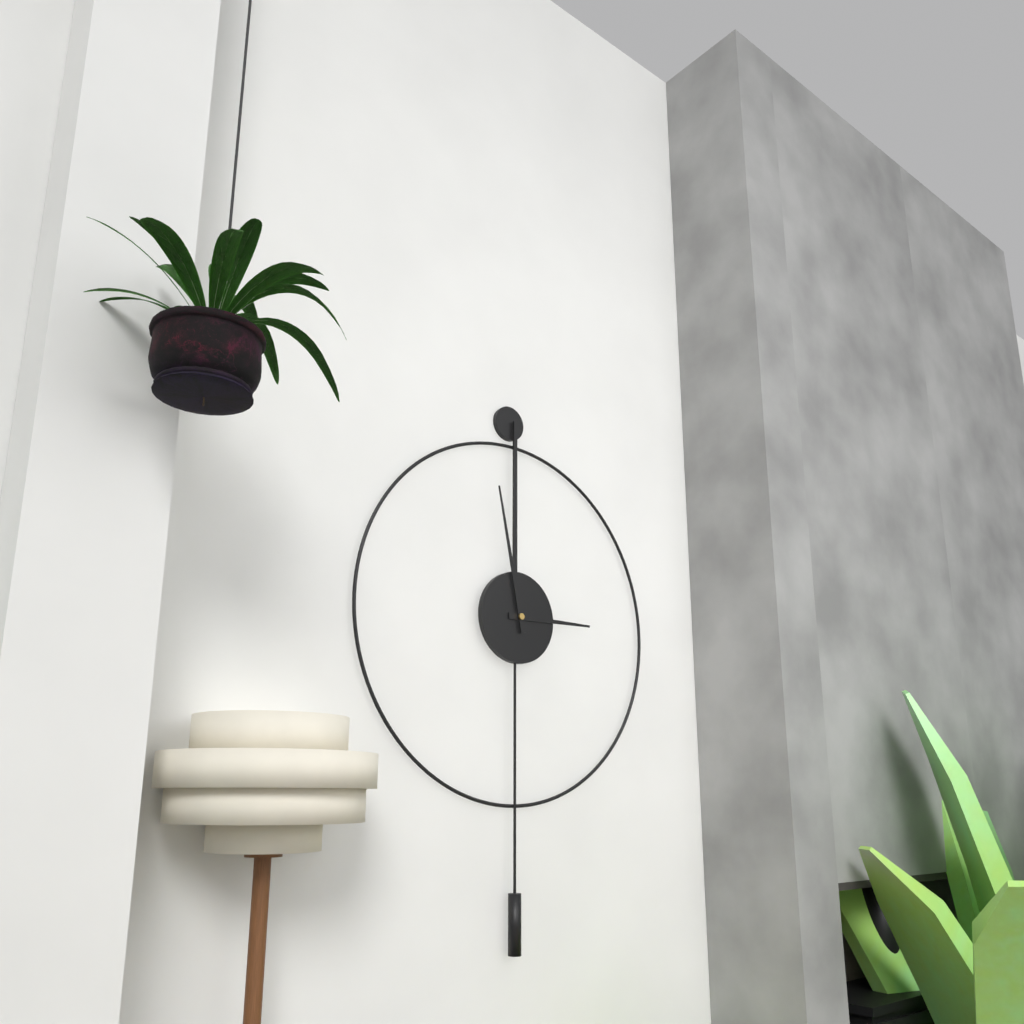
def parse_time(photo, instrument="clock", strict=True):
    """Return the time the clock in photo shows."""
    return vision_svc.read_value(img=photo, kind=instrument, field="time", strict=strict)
2:58
